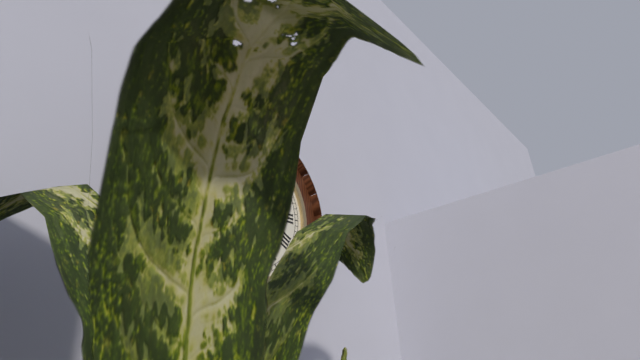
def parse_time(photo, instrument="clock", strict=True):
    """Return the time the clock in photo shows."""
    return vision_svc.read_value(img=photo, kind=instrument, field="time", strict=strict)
4:39
